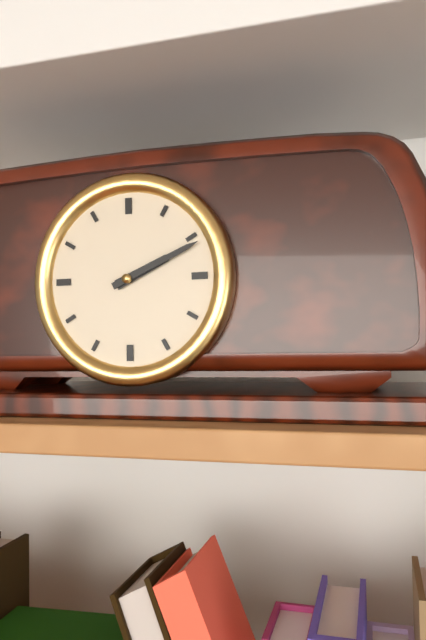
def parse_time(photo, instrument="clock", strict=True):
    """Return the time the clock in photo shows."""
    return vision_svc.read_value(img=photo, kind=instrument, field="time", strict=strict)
2:11
